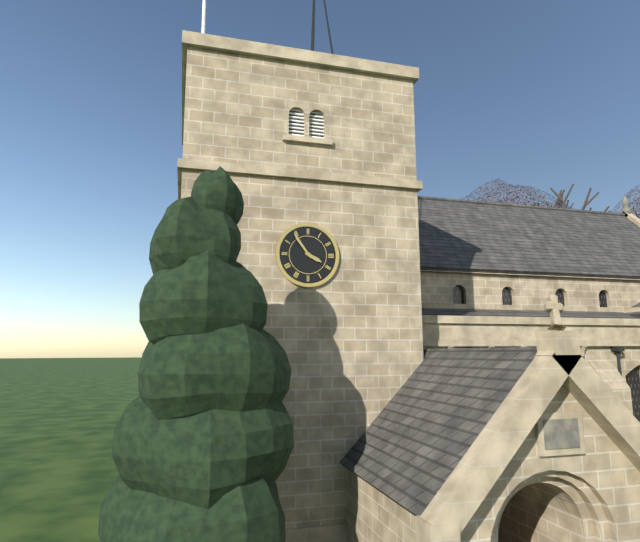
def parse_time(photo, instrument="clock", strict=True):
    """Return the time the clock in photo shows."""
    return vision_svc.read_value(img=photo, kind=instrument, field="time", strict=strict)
3:54
